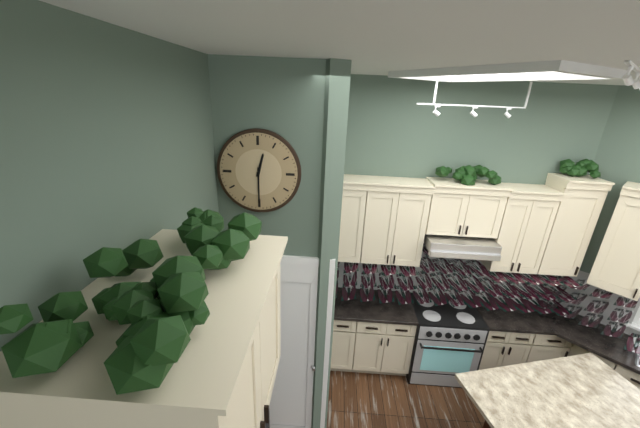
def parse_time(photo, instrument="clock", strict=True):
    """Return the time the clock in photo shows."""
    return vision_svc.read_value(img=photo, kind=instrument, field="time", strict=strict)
12:30
